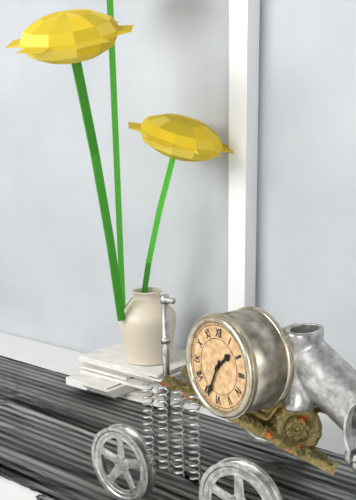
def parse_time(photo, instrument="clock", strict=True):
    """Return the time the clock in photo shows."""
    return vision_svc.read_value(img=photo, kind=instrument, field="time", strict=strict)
1:34
